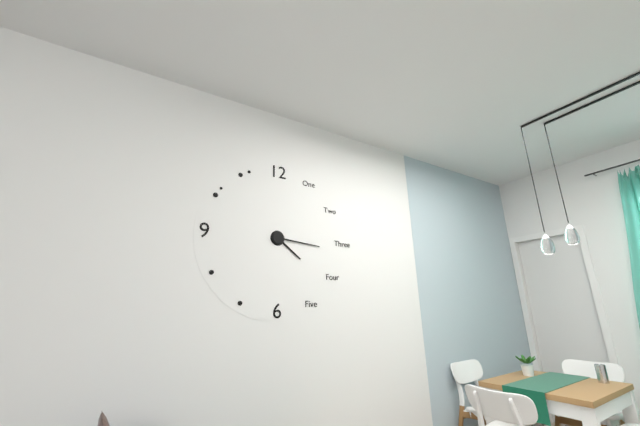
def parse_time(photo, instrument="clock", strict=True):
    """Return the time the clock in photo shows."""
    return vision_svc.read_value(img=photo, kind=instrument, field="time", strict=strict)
4:16
